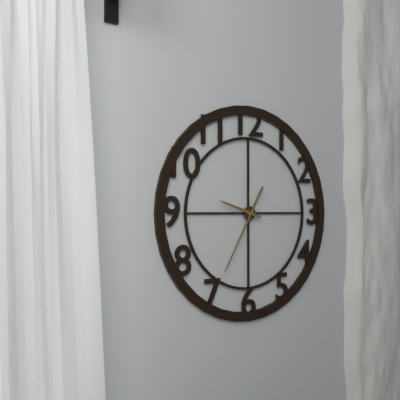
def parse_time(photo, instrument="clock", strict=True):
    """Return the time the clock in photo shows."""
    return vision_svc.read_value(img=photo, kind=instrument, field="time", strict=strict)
9:35
